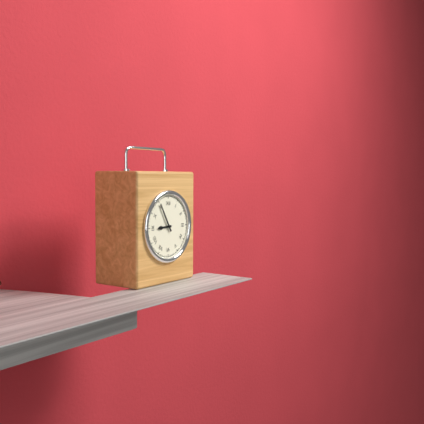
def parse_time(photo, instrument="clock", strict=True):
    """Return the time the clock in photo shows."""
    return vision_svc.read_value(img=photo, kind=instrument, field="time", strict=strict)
8:55
